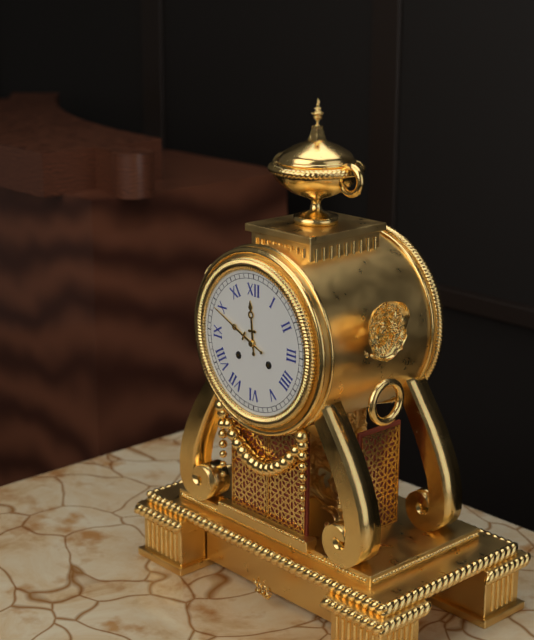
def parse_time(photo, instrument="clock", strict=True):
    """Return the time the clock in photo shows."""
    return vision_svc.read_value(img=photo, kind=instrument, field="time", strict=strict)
11:49
